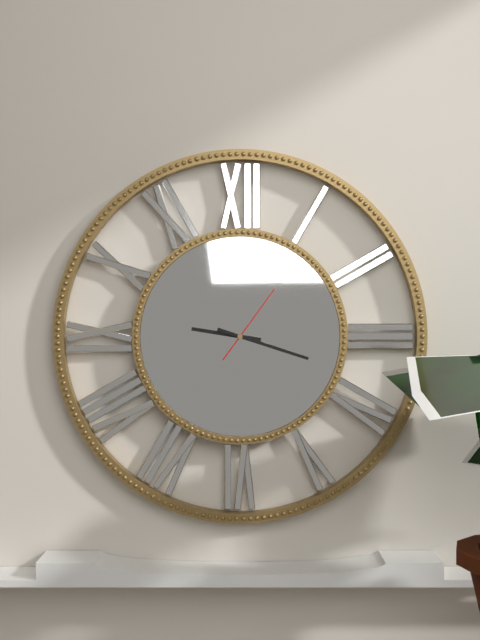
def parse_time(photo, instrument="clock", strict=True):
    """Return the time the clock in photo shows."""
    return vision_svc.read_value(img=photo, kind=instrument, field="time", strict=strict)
9:18:06
